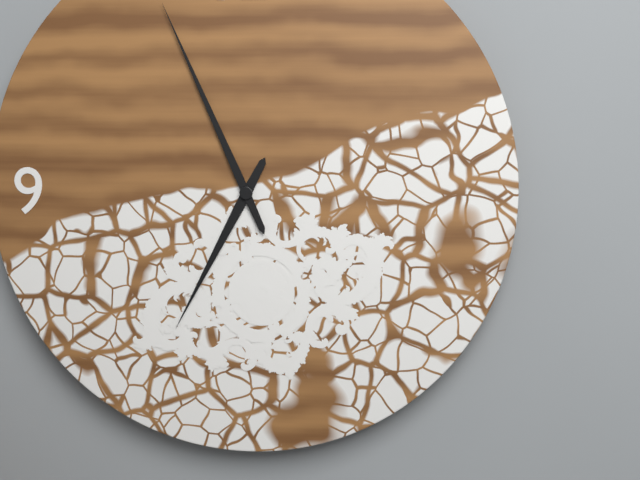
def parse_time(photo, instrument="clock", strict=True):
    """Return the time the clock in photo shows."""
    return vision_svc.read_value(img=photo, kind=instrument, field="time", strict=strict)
6:56
